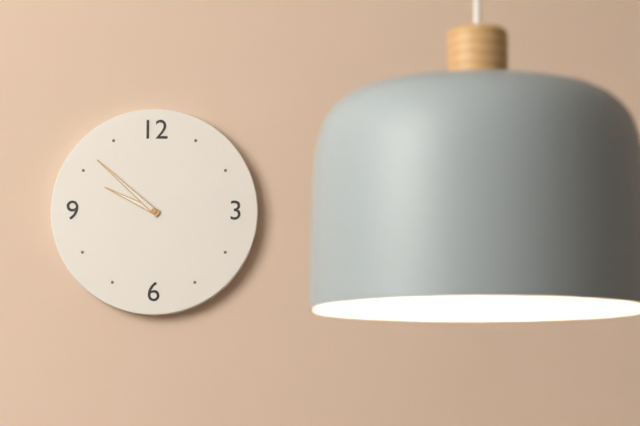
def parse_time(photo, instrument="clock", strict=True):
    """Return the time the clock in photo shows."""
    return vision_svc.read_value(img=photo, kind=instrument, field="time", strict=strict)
9:52
